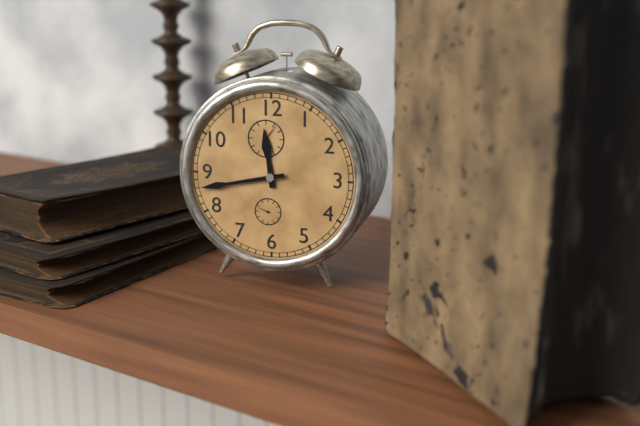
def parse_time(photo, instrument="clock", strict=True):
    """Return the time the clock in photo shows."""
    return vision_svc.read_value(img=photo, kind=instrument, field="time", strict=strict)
11:43
